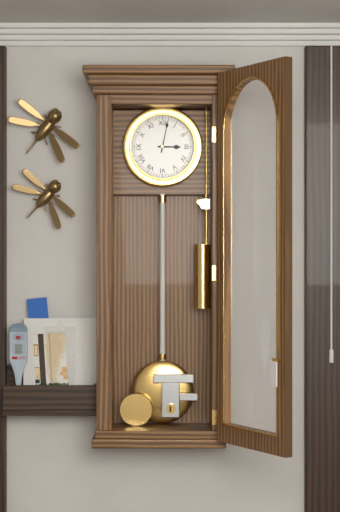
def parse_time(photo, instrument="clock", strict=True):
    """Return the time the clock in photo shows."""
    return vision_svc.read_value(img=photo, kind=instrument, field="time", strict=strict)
3:02
